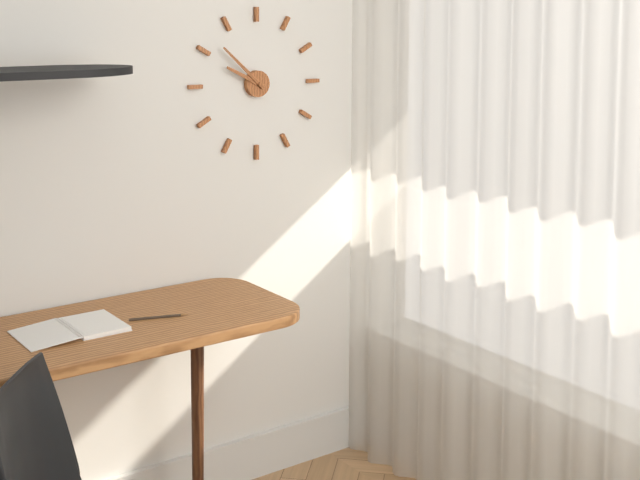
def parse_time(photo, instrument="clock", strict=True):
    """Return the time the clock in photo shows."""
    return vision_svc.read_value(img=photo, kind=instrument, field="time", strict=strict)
9:52
